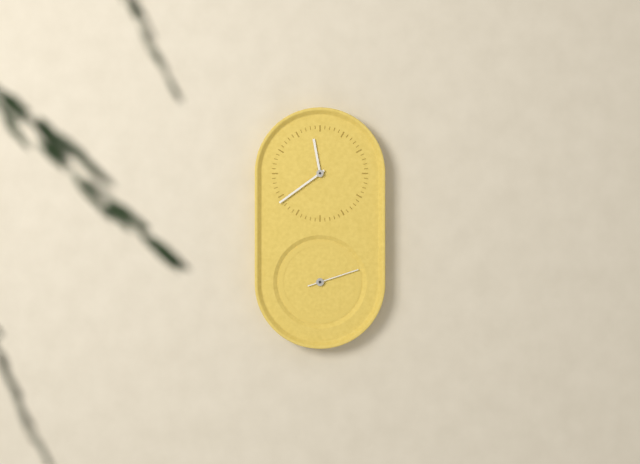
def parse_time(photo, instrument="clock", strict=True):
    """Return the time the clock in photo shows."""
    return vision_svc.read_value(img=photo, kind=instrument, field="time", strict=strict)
11:39:12
